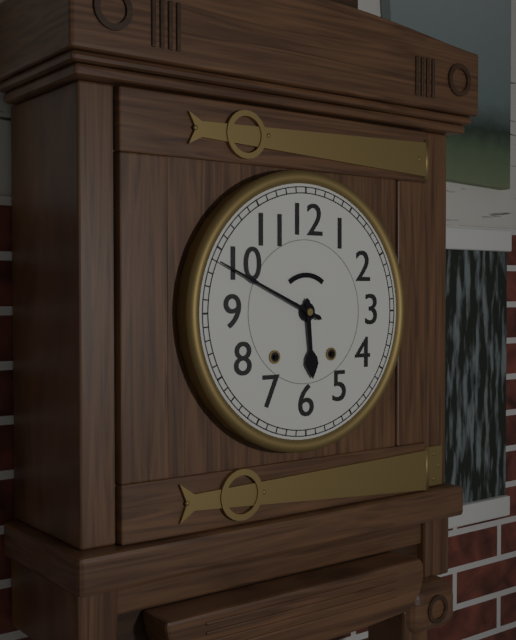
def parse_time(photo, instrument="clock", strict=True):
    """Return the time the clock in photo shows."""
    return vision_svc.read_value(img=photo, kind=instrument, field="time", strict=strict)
5:49
